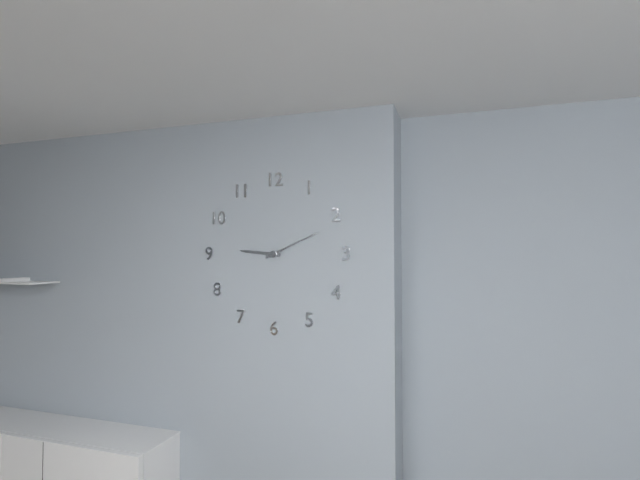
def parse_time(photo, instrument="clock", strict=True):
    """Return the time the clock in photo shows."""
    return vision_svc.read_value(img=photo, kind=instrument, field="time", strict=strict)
9:11
